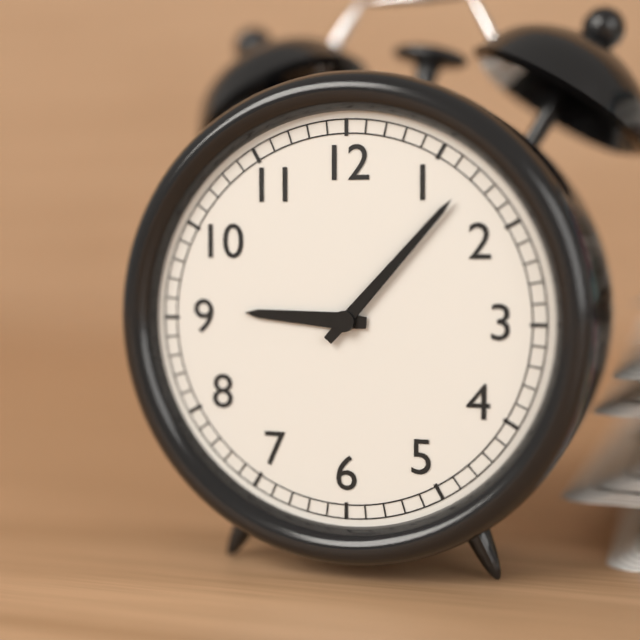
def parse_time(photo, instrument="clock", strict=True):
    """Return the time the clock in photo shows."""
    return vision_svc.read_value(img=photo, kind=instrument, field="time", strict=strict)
9:07
